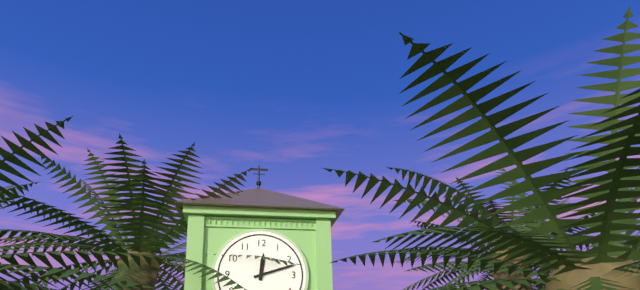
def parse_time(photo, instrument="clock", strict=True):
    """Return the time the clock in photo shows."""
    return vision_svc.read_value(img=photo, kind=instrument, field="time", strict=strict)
12:12
